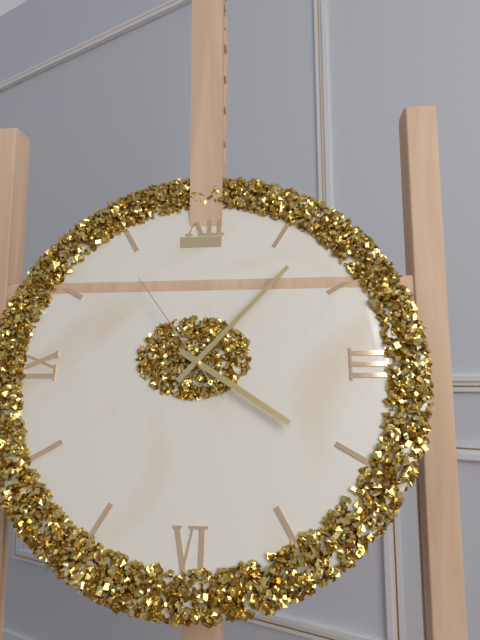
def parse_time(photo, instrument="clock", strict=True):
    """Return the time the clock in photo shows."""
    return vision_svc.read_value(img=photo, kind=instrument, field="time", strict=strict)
4:07:54
